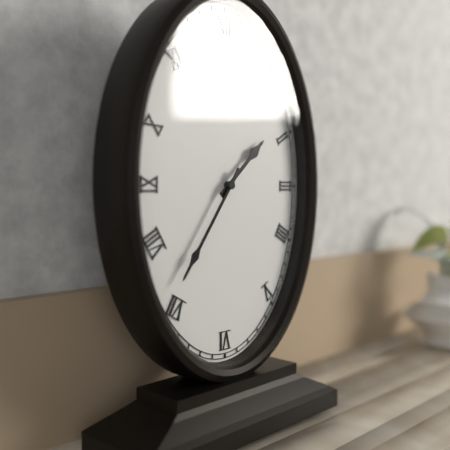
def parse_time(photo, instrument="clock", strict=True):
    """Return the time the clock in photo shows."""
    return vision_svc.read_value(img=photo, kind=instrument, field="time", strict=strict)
1:36
